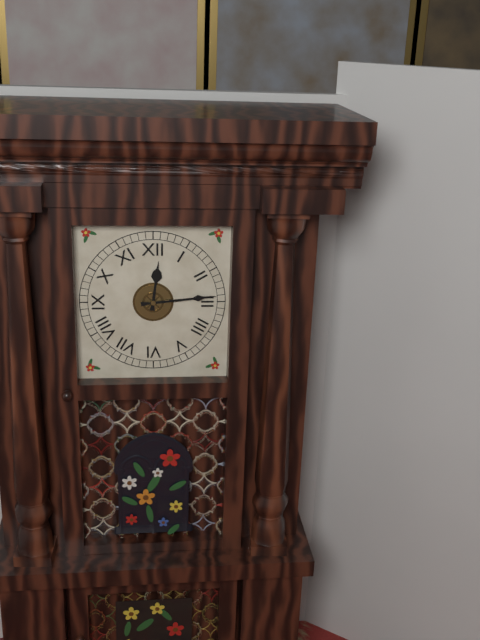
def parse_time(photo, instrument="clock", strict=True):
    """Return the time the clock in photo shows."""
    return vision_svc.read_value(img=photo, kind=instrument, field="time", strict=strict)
12:14
